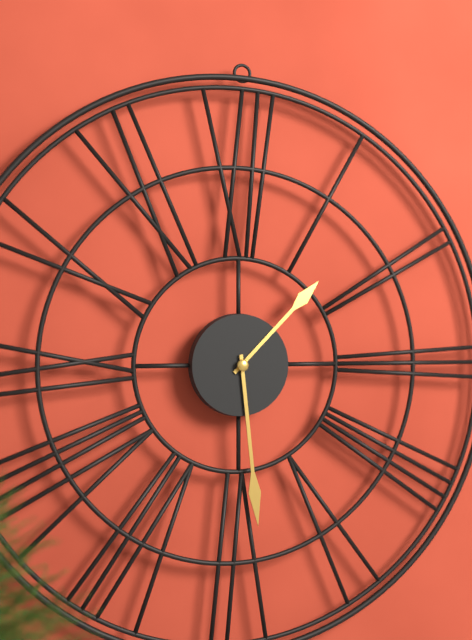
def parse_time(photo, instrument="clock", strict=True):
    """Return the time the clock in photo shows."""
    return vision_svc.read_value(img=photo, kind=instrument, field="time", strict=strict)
1:29
